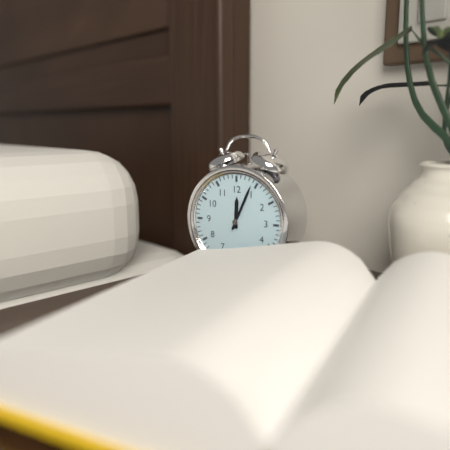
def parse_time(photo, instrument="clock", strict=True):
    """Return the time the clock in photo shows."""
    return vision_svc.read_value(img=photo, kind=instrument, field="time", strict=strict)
12:04
